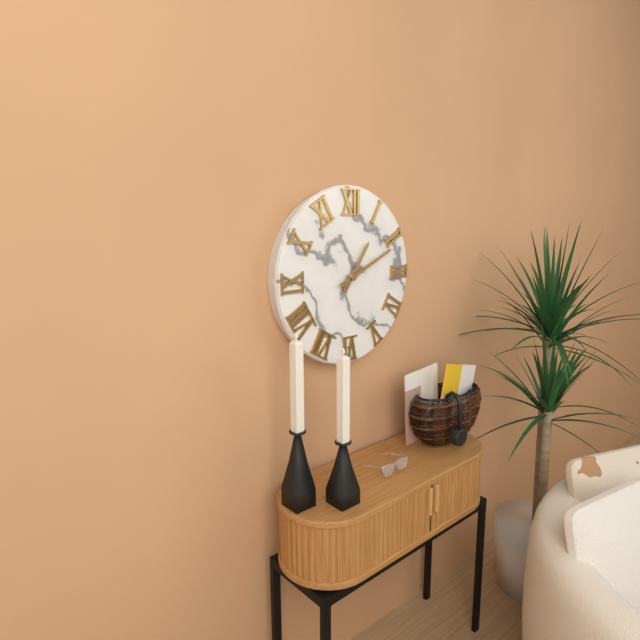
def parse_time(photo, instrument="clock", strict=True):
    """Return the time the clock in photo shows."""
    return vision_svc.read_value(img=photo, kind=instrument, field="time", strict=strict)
1:11
